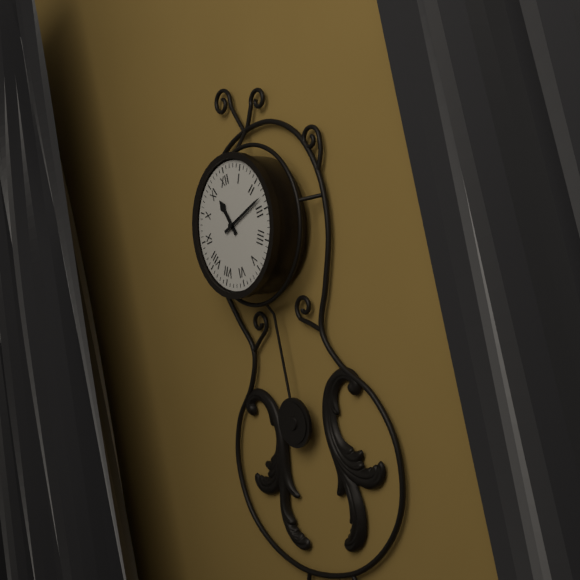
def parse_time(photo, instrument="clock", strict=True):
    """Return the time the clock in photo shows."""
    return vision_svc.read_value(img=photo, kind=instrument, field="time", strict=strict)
11:13
